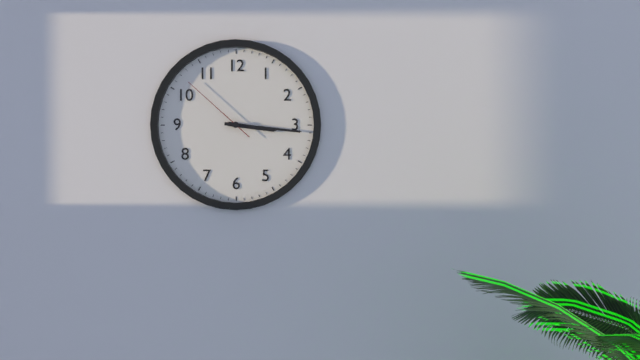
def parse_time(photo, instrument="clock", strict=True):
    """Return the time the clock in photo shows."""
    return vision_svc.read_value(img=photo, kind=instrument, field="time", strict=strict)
3:16:52
